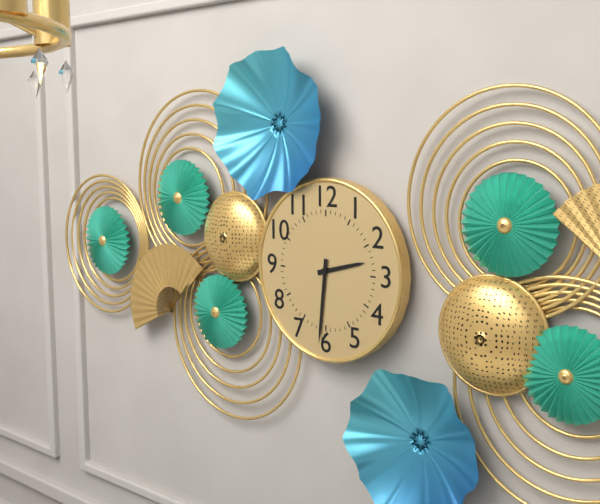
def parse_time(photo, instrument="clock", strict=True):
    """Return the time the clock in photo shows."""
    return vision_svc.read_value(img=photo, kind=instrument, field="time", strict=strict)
2:31
